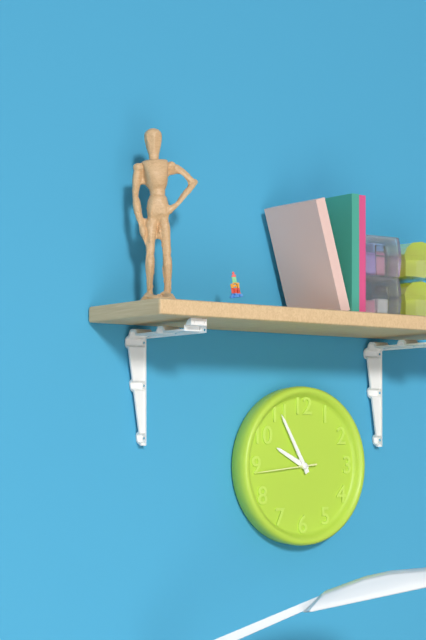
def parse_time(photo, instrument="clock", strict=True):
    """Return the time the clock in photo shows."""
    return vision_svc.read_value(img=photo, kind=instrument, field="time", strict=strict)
9:55:44
